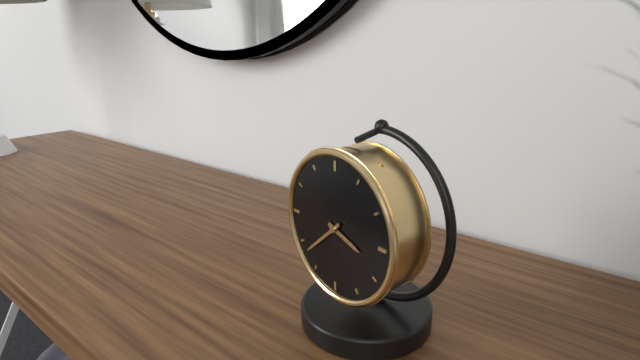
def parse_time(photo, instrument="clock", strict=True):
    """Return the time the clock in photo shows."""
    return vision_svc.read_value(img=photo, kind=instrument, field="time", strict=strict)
3:38
